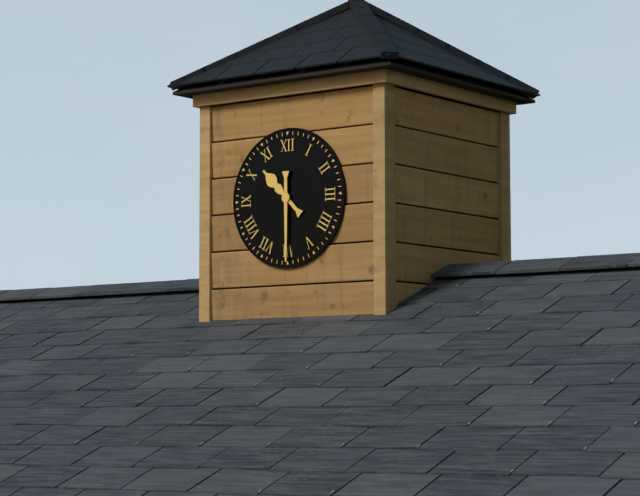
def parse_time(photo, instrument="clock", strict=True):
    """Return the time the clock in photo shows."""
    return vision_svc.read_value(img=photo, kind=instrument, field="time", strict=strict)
10:30
